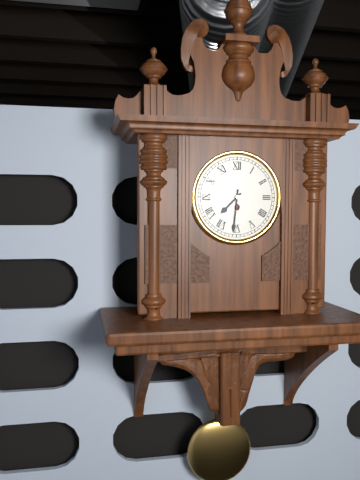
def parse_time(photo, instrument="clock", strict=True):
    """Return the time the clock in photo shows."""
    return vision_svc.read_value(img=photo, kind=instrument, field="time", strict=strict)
7:31
